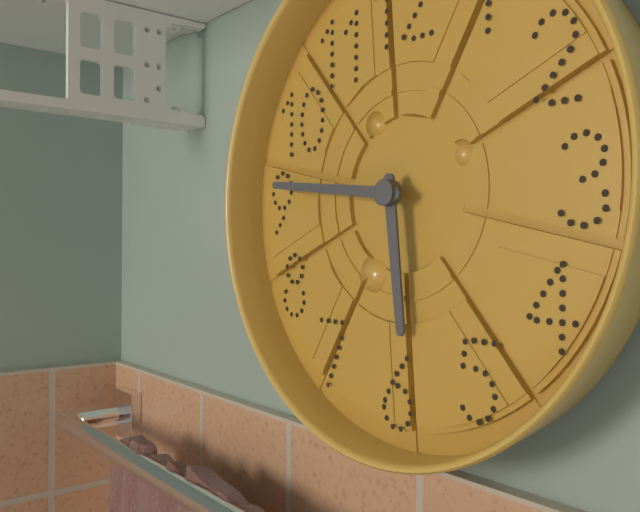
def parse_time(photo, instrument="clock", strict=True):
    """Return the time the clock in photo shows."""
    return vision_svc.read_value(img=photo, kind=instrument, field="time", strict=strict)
5:46
